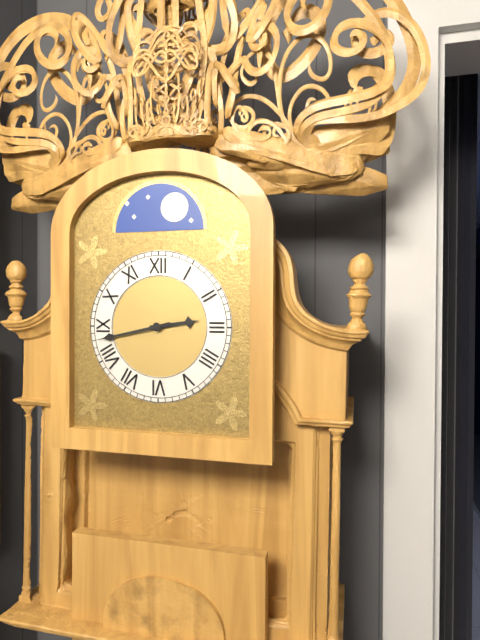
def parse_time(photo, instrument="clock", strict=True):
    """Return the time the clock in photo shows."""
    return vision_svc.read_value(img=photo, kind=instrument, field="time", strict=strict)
2:43
